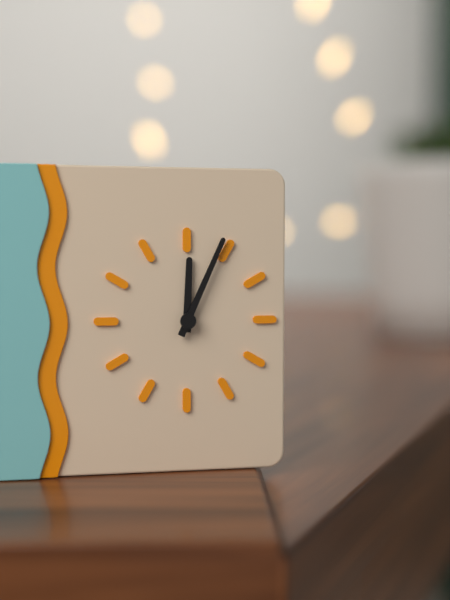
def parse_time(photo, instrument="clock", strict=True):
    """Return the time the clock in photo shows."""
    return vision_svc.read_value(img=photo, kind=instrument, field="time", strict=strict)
12:04
